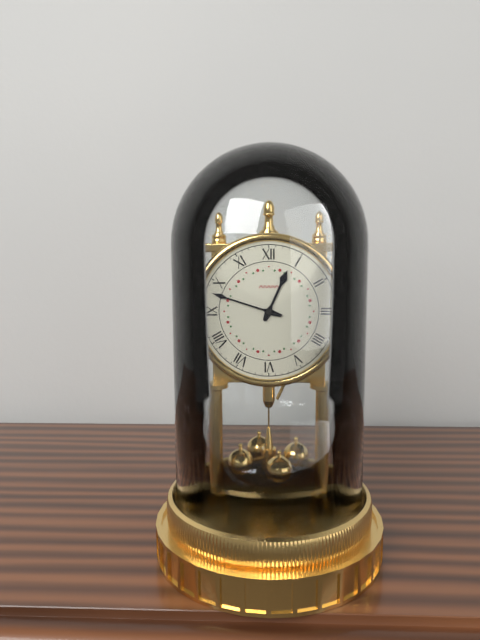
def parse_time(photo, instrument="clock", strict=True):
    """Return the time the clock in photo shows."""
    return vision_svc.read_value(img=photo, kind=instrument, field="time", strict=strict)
12:48
